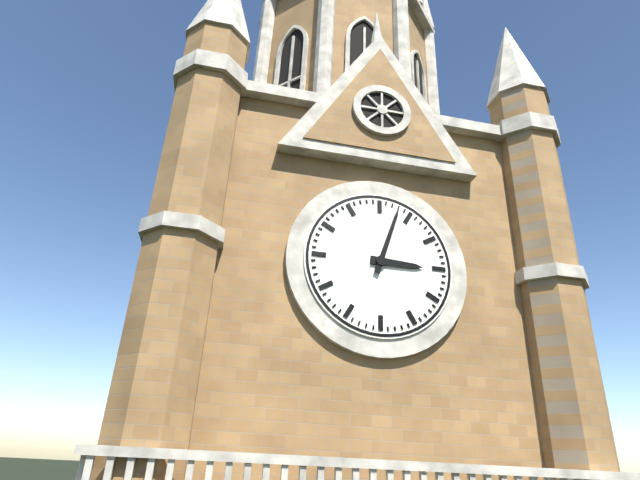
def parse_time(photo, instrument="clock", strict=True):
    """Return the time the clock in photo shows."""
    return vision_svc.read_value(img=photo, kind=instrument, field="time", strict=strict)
3:03
